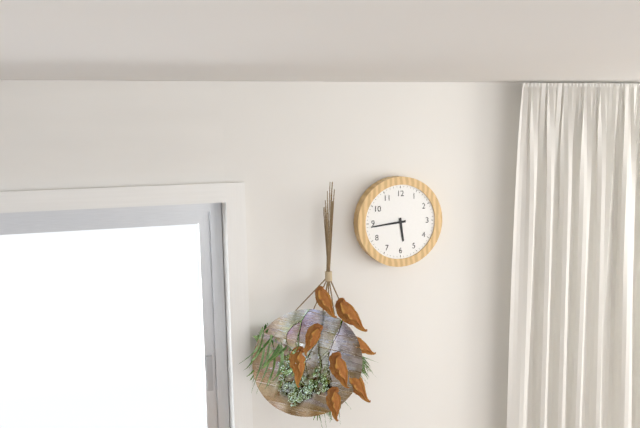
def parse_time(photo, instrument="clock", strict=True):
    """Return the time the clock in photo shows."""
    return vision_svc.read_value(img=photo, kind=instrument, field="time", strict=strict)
5:44
